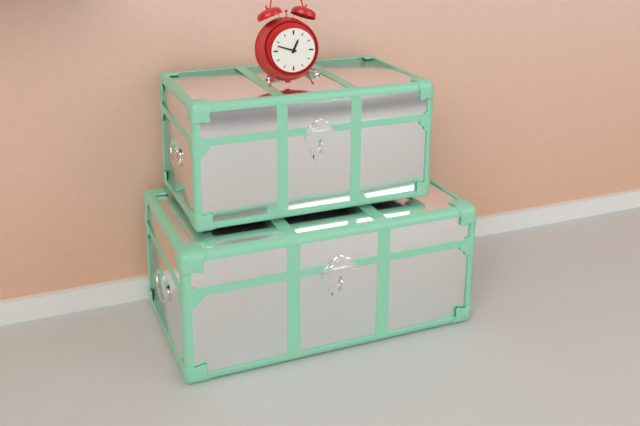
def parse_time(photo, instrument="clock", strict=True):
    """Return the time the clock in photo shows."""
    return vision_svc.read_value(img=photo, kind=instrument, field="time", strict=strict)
12:48
